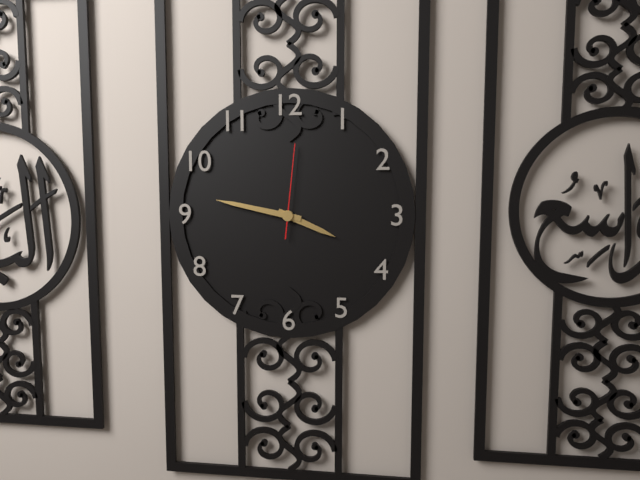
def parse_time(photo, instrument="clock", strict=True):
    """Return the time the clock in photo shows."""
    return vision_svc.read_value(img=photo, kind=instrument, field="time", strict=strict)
3:47:01
